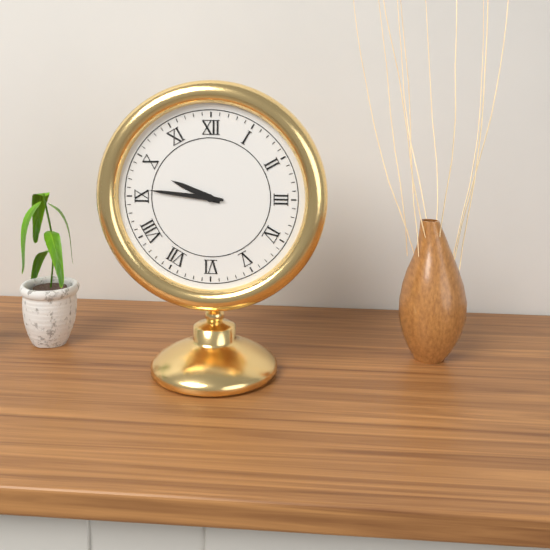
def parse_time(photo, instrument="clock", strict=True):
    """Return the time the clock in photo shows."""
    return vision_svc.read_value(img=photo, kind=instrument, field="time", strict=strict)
9:46
